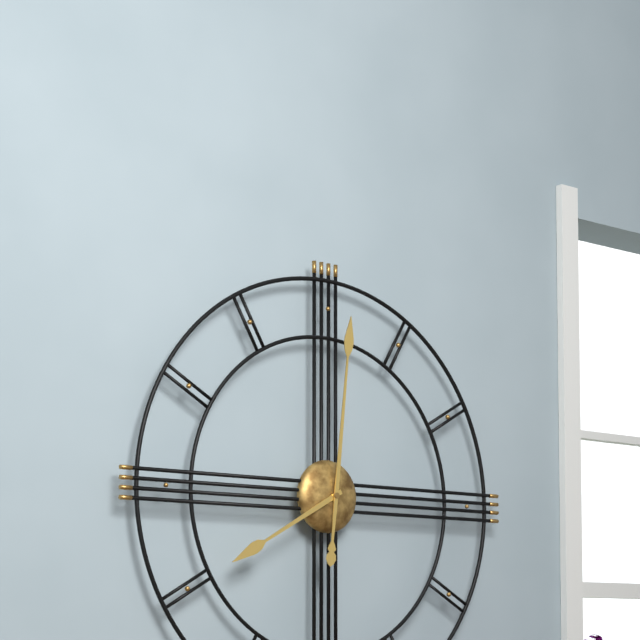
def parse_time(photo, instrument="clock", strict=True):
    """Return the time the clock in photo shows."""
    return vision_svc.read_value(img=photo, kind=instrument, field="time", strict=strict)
8:01
